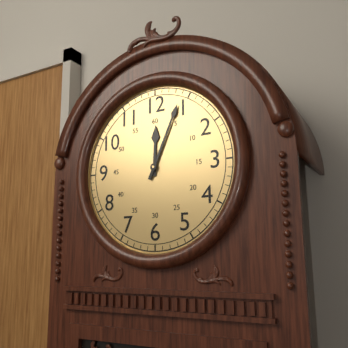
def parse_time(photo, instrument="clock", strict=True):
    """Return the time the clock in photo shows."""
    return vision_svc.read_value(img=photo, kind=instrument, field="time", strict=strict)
12:04
